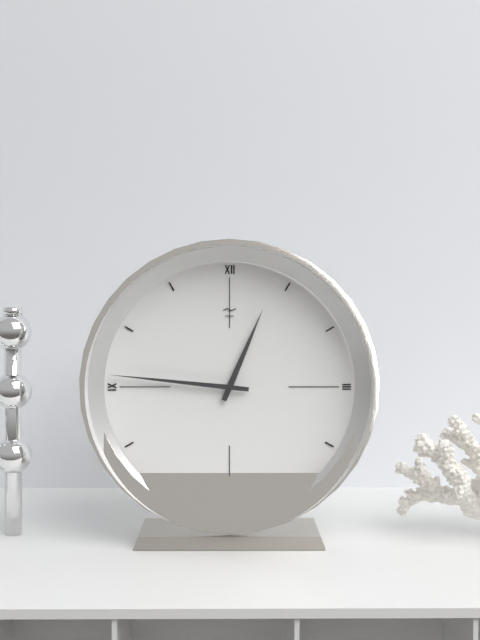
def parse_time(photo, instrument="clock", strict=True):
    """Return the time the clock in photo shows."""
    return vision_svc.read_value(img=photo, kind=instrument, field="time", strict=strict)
12:46
